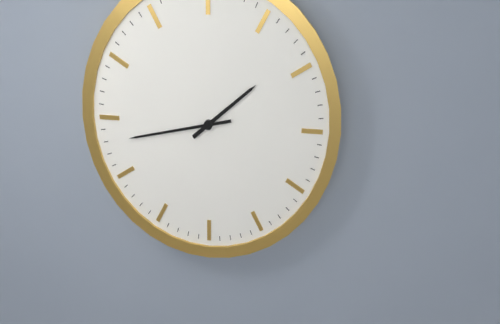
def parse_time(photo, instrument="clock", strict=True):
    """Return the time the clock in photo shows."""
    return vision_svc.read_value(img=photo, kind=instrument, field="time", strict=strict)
1:43
